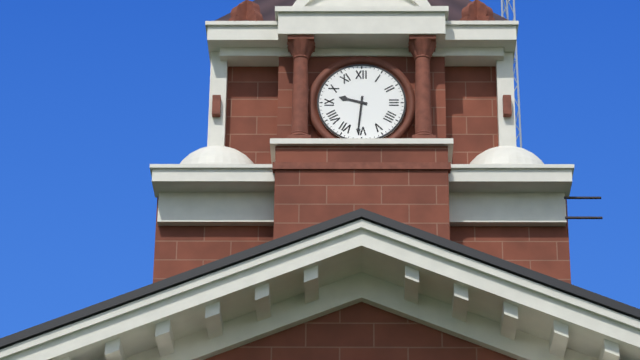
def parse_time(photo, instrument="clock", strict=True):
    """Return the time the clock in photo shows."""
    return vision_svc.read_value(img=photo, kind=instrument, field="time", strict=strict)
9:31
